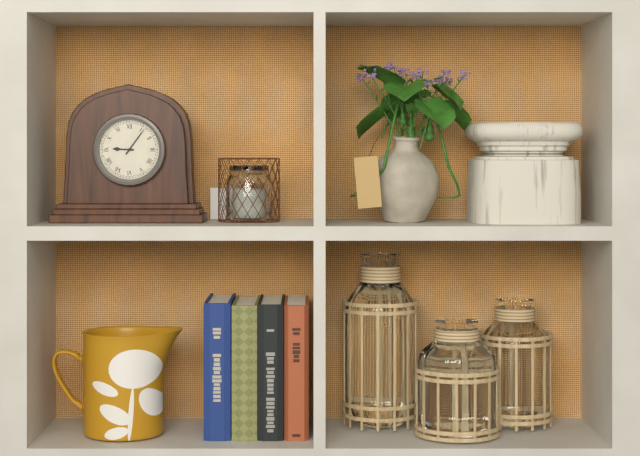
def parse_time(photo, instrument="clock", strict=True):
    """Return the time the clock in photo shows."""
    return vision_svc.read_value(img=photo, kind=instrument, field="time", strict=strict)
9:06
